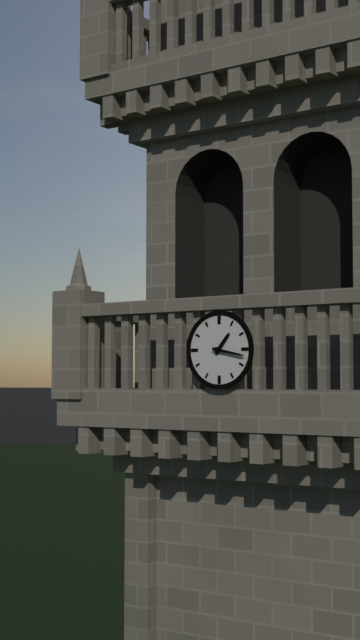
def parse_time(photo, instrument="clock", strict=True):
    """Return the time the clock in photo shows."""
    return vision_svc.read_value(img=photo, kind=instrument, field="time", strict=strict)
1:17
